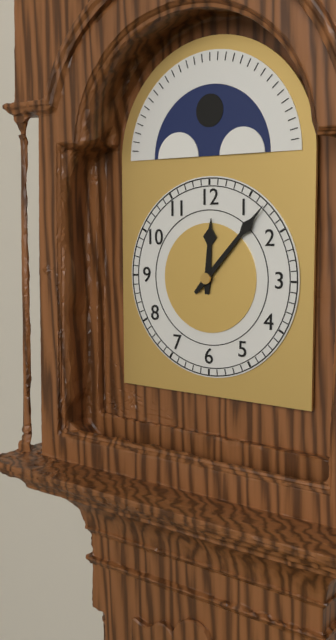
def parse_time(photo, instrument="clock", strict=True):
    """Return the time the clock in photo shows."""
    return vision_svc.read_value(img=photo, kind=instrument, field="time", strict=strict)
12:07
